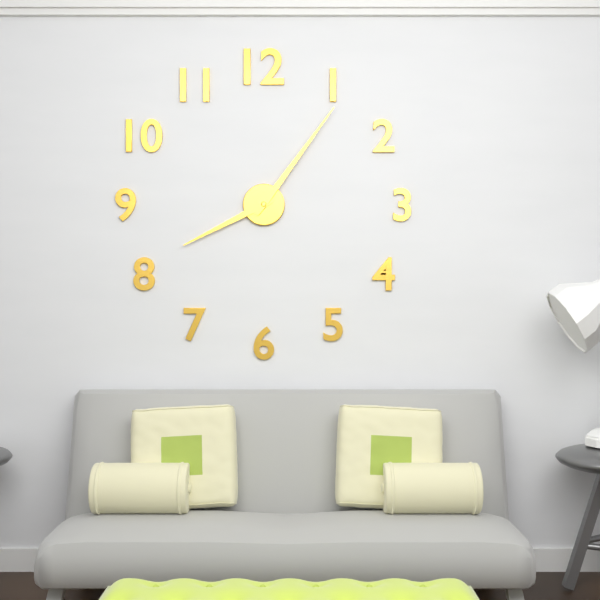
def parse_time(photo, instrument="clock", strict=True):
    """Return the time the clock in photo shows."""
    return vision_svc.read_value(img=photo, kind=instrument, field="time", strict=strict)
8:06
